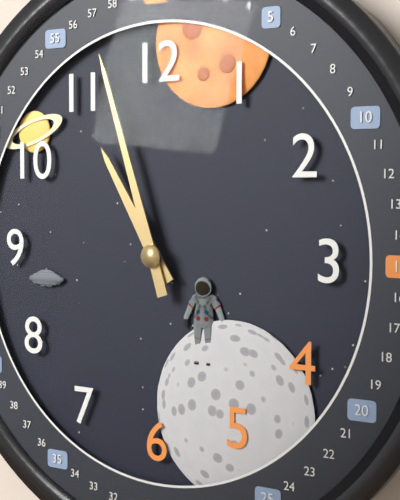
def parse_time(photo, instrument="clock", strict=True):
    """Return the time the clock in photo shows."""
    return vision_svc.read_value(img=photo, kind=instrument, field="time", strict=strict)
10:57
